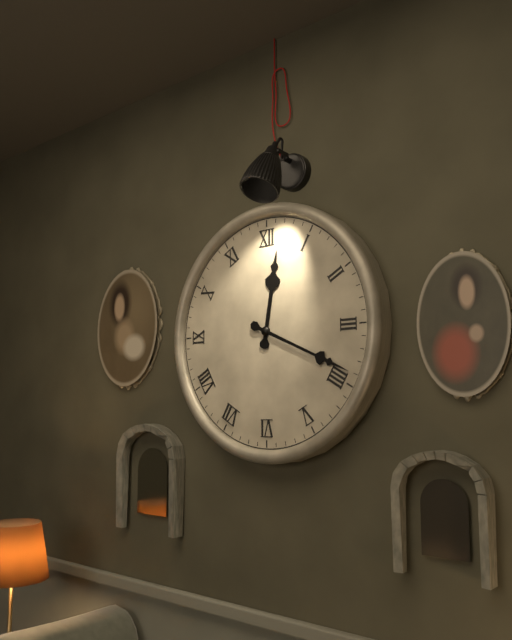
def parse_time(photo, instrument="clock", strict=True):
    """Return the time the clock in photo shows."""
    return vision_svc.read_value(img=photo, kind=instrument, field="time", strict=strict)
12:19
